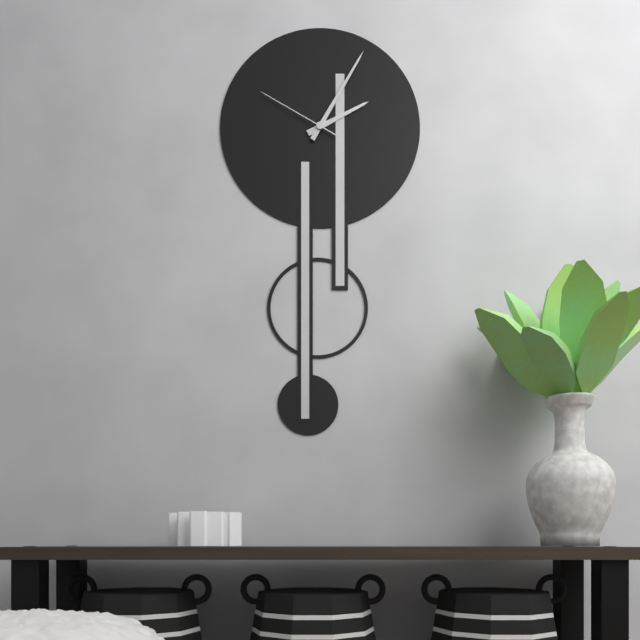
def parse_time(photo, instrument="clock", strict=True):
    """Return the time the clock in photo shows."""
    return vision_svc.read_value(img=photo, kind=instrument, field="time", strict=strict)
2:05:50
